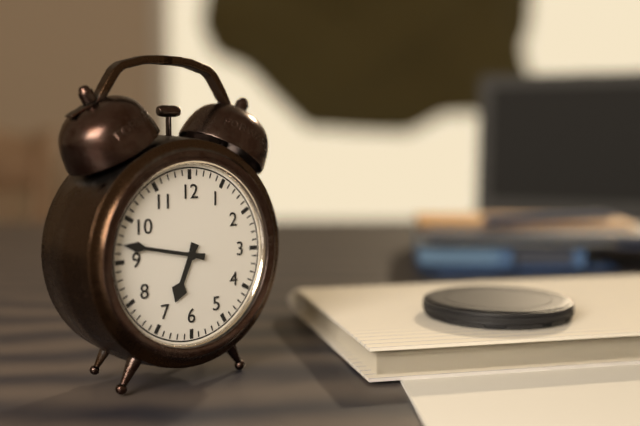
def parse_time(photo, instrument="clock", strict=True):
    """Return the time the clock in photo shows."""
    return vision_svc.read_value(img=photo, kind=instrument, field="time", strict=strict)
6:47
